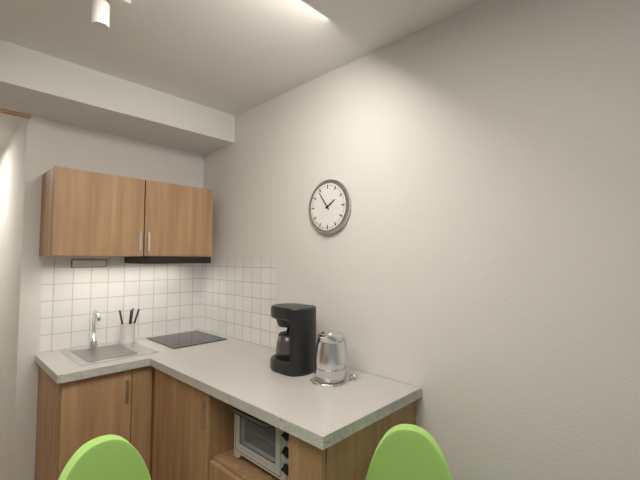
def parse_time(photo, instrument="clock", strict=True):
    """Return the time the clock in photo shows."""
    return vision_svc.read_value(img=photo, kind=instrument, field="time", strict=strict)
1:54
